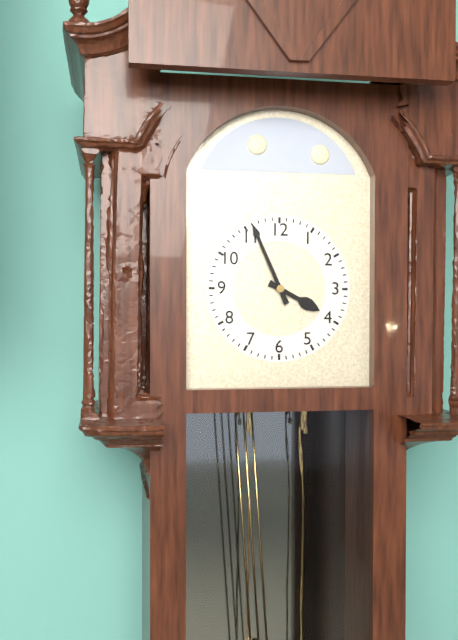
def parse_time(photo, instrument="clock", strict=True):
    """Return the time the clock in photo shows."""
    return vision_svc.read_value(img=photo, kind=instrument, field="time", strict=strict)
3:56
